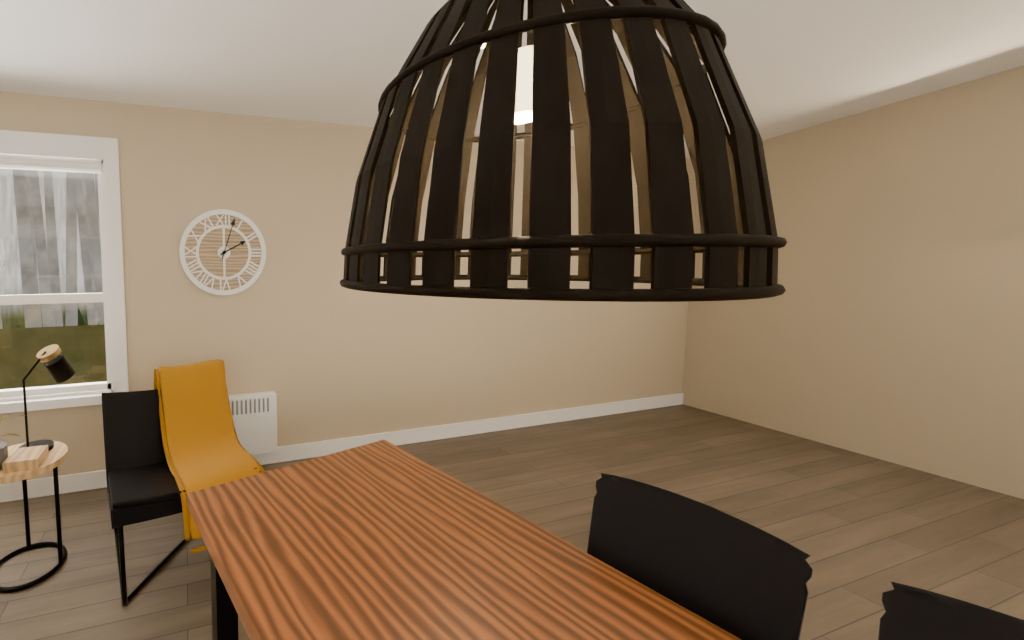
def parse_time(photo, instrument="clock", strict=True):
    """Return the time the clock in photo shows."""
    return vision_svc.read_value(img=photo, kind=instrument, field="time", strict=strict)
2:03
